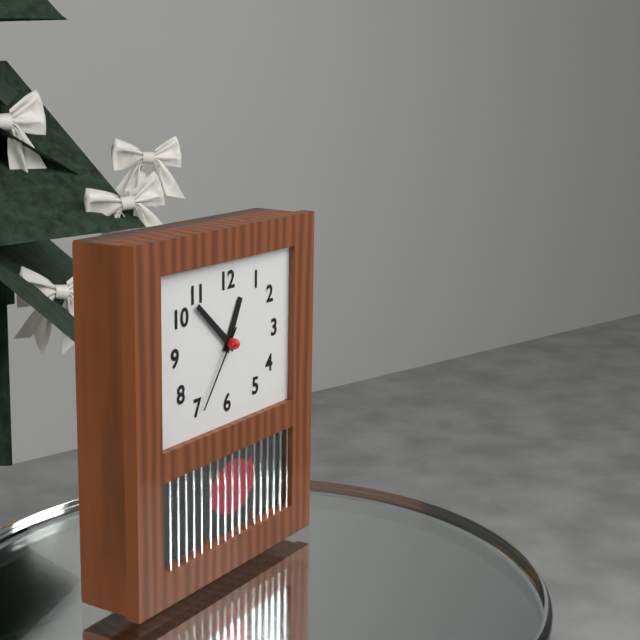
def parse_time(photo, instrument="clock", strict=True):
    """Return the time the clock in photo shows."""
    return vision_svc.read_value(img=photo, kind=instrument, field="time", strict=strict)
12:52:36
